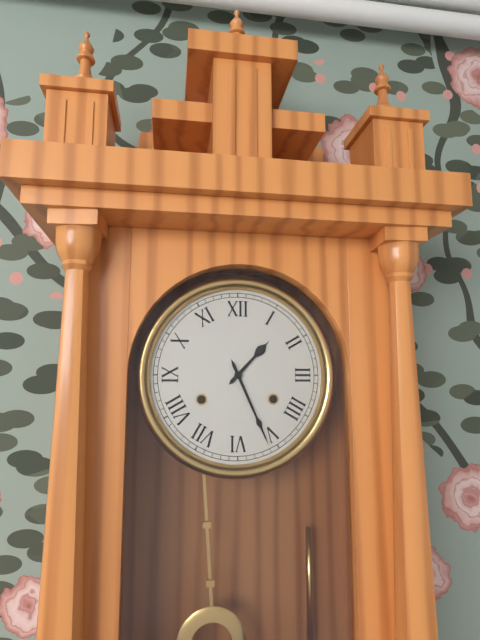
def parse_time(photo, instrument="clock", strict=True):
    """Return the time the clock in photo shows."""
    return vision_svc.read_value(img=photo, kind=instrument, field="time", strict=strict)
1:26
